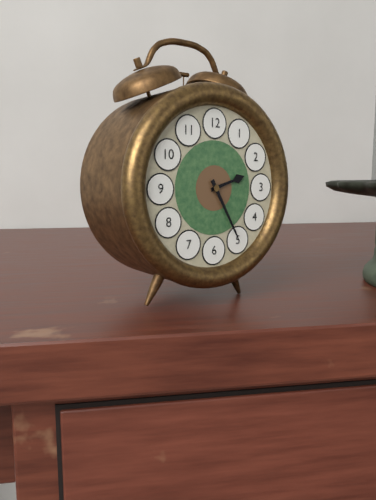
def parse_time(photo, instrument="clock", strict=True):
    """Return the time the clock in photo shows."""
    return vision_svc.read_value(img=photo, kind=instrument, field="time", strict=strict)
2:25
